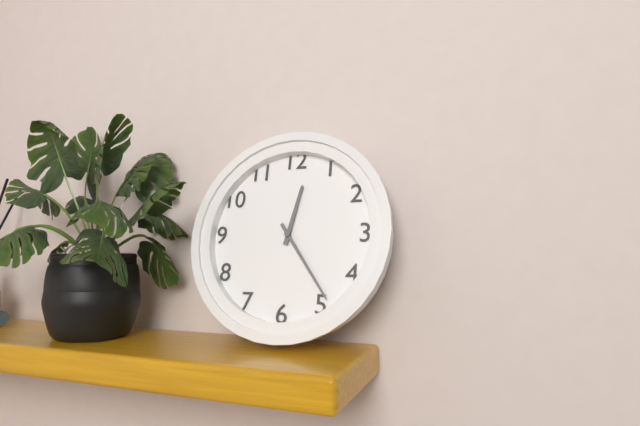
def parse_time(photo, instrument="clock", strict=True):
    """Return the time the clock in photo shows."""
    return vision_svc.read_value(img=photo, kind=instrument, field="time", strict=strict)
12:24
